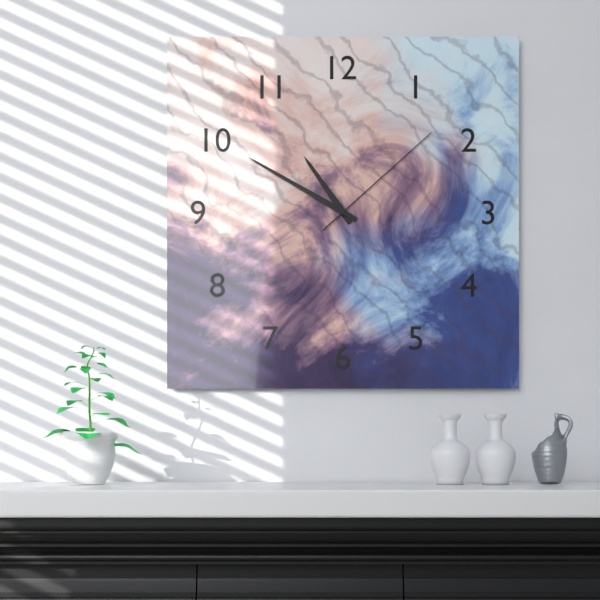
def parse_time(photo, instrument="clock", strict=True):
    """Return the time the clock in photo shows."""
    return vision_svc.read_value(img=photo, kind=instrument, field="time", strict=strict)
10:50:08
